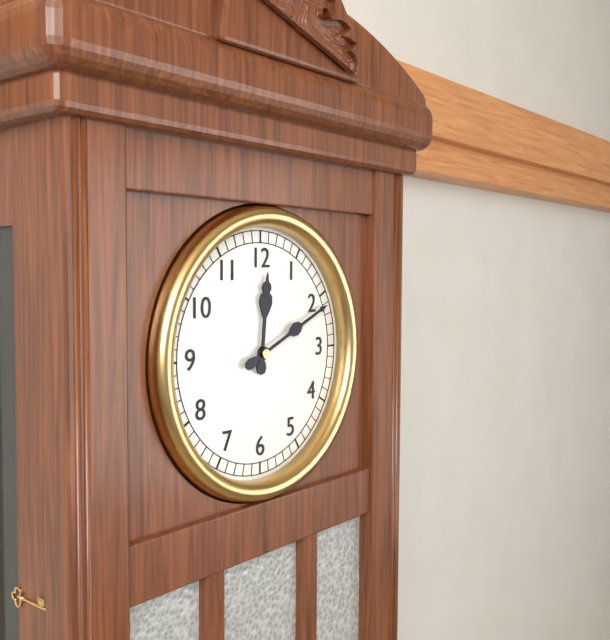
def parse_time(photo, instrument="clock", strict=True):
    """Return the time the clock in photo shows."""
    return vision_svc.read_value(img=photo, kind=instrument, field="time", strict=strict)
12:11
